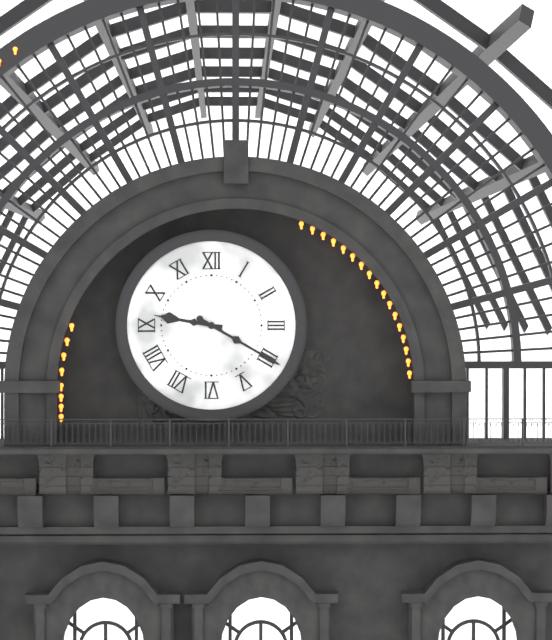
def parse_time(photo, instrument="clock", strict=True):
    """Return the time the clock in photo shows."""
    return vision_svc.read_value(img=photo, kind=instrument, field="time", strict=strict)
9:20
